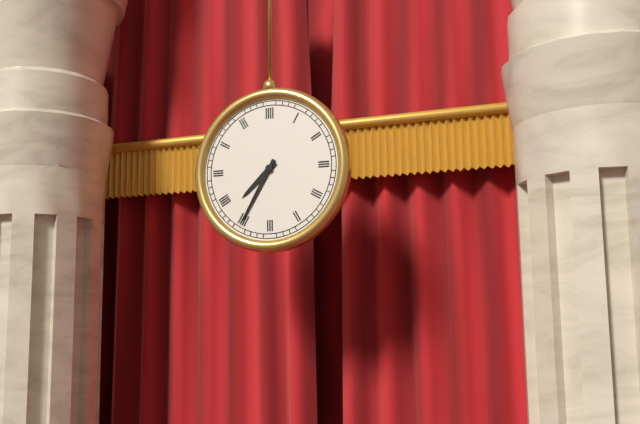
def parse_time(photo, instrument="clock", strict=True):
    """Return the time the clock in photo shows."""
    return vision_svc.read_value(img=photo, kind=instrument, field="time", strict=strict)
7:35
